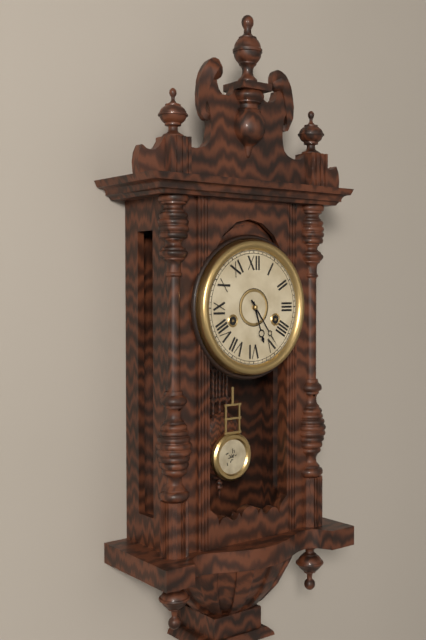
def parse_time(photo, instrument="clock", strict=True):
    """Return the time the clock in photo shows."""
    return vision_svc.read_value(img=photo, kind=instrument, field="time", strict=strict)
5:24
